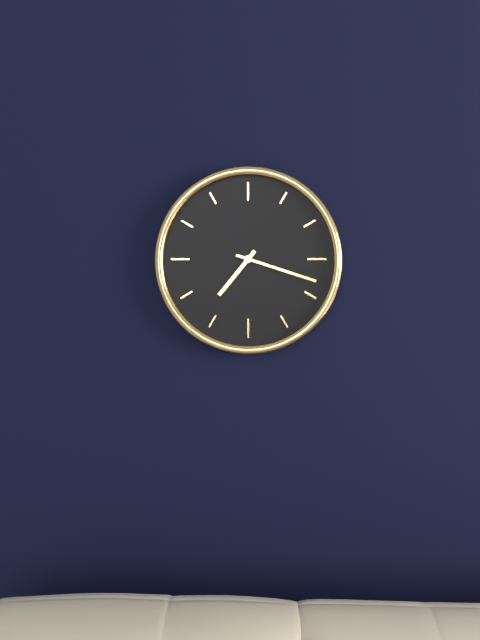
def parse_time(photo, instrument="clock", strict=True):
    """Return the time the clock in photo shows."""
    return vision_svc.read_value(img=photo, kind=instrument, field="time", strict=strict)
7:18
